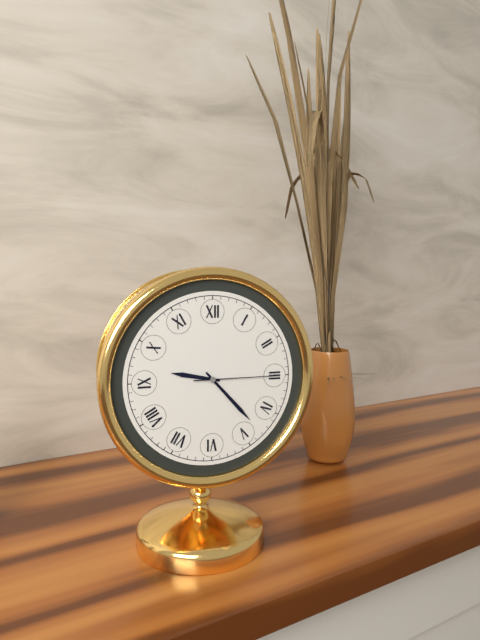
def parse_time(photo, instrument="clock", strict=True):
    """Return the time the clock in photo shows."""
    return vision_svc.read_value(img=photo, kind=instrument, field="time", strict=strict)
9:23:15
